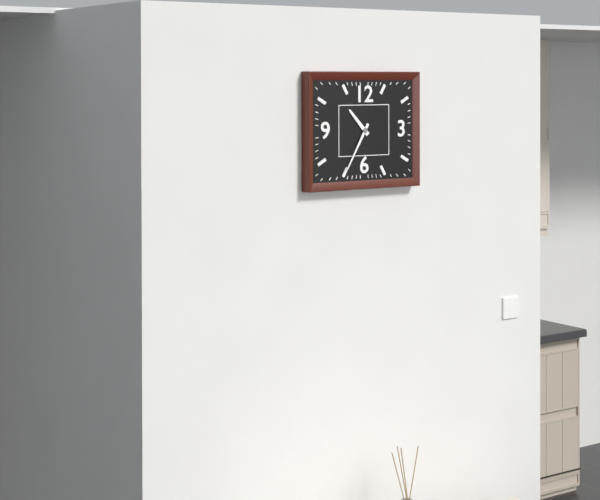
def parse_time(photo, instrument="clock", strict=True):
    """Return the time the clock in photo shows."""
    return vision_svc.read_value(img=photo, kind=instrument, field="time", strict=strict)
10:35
